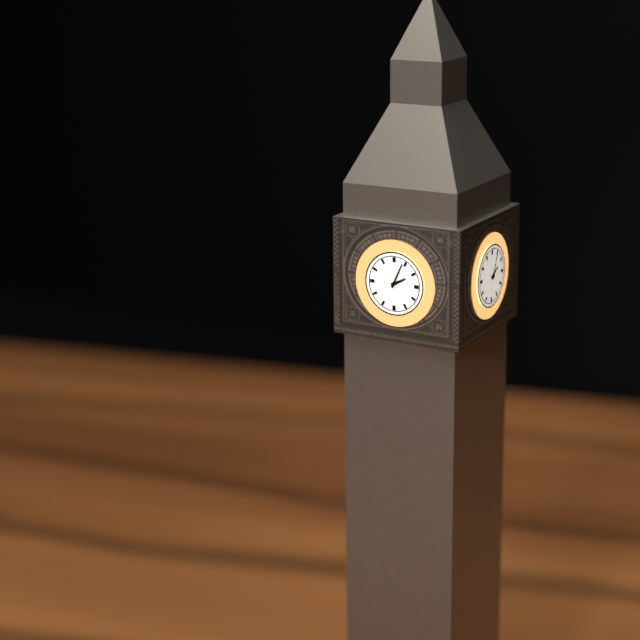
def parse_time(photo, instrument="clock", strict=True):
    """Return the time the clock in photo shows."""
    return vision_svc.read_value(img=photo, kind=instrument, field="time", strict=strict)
2:04
